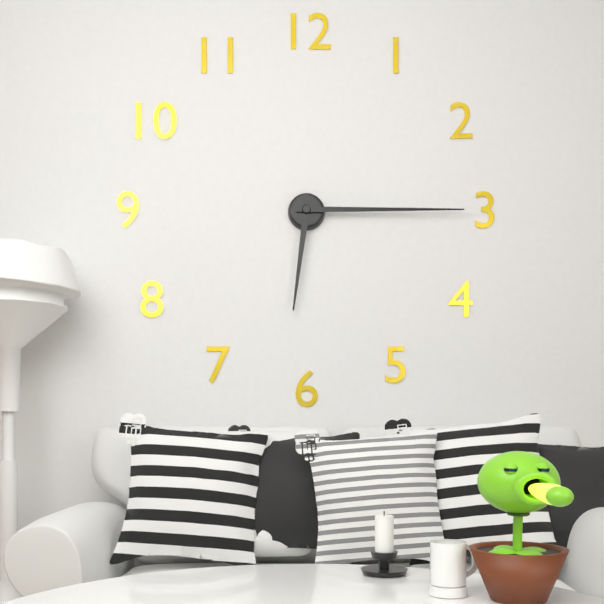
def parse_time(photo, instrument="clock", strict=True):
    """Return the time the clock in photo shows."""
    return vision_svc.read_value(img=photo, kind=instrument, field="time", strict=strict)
6:15
